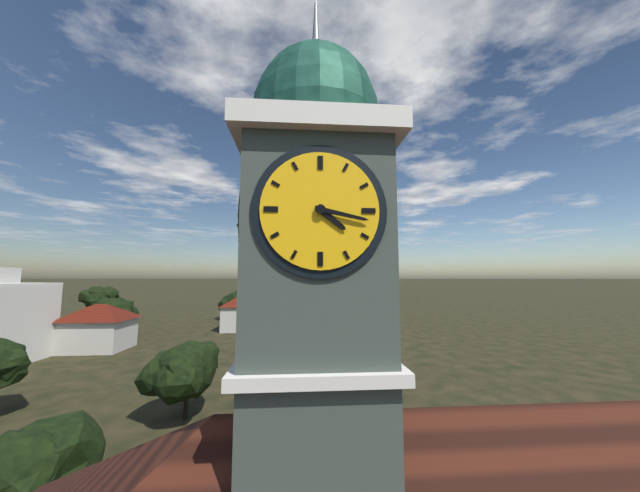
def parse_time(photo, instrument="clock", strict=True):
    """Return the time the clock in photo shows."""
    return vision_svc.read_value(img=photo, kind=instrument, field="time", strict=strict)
4:17
